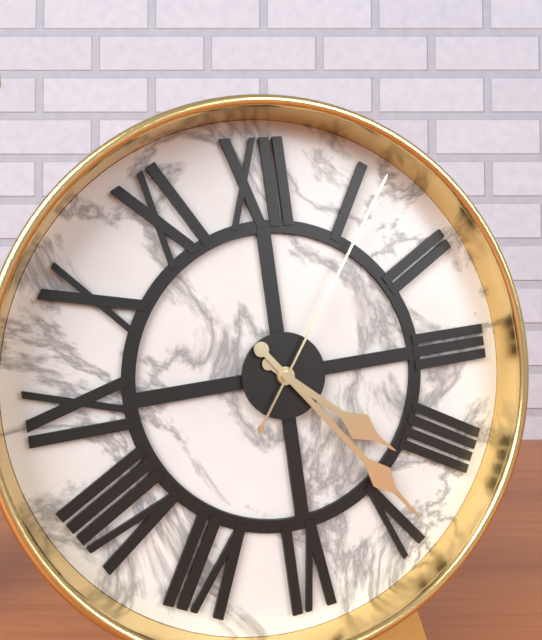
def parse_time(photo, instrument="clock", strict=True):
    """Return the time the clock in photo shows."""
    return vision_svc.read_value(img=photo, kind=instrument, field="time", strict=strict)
4:24:06
